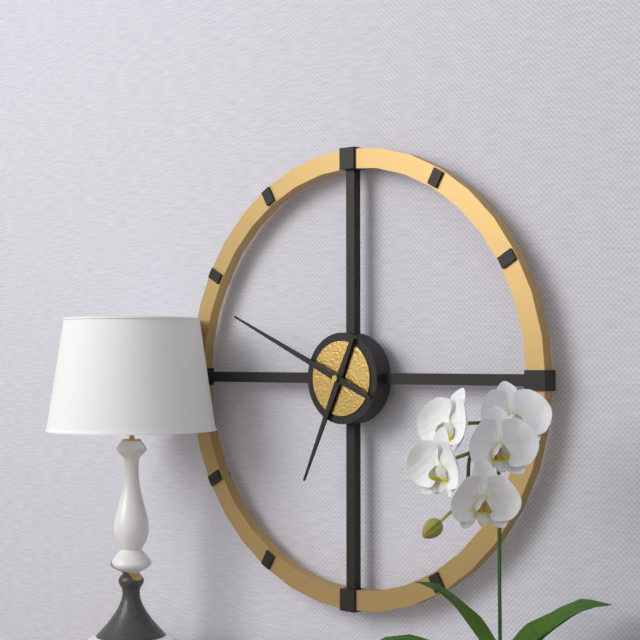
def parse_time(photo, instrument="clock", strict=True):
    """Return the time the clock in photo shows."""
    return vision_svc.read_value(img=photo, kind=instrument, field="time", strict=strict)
6:49
